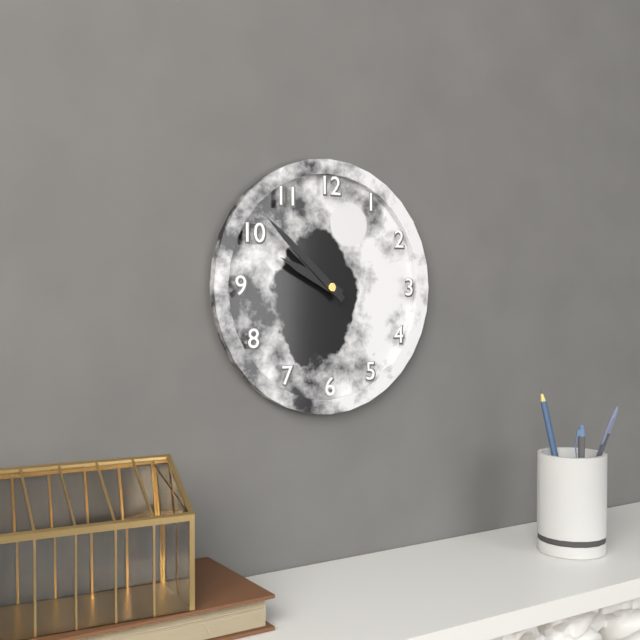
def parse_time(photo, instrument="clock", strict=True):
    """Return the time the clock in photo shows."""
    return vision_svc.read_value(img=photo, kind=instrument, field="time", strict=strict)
9:52
